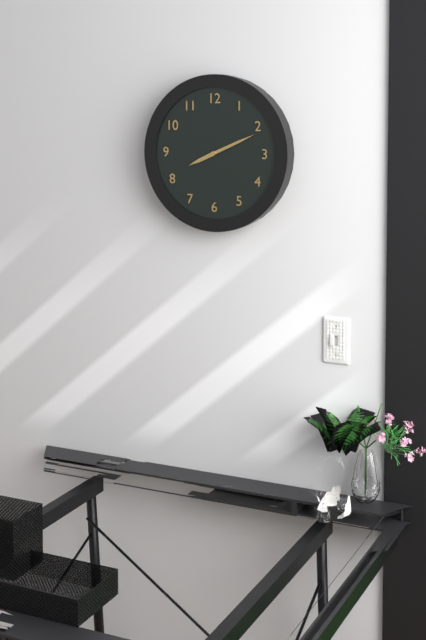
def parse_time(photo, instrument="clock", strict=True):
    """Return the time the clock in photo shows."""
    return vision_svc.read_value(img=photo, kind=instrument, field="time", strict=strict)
8:11
